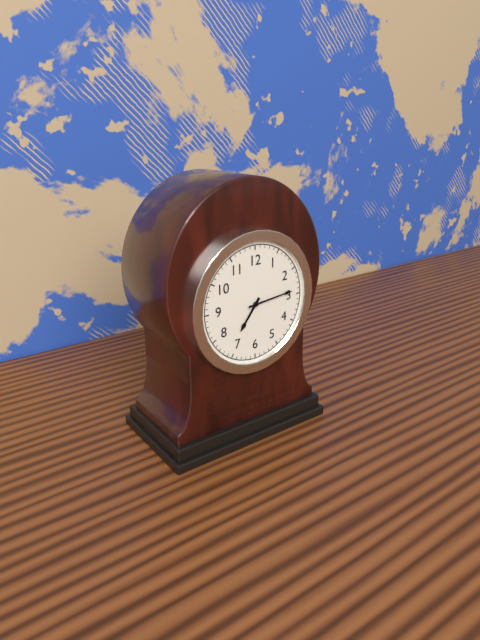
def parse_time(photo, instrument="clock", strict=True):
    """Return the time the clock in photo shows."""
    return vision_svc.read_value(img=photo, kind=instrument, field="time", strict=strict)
7:14
